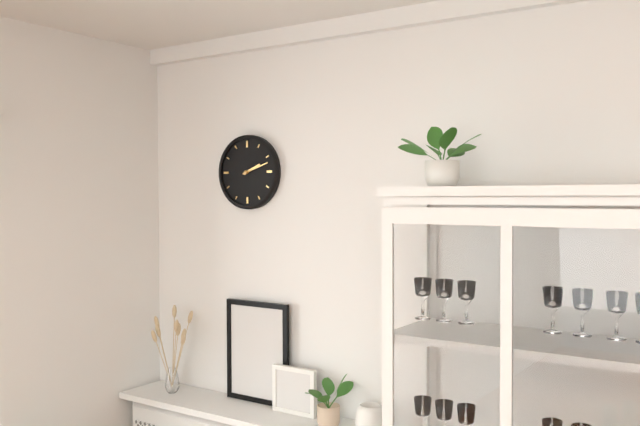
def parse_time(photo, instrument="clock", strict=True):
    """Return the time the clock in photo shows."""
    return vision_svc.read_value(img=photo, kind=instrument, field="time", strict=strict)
2:12
